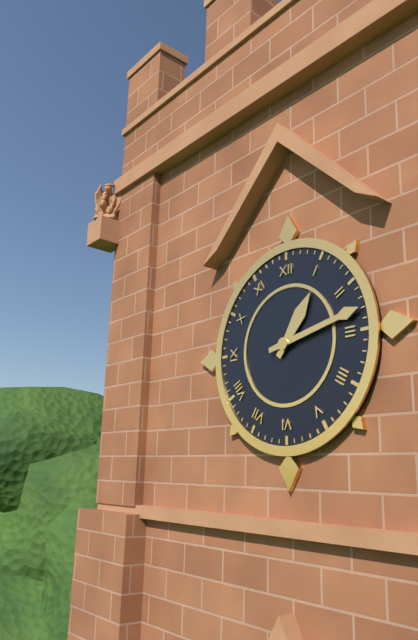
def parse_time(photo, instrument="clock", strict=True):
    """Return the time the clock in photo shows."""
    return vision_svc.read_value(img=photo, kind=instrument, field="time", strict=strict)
1:13
